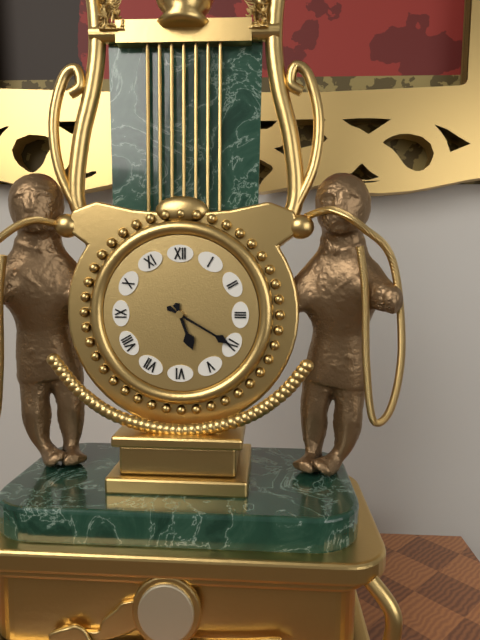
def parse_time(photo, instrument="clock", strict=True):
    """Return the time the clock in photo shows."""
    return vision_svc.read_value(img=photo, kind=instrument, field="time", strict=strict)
5:20
